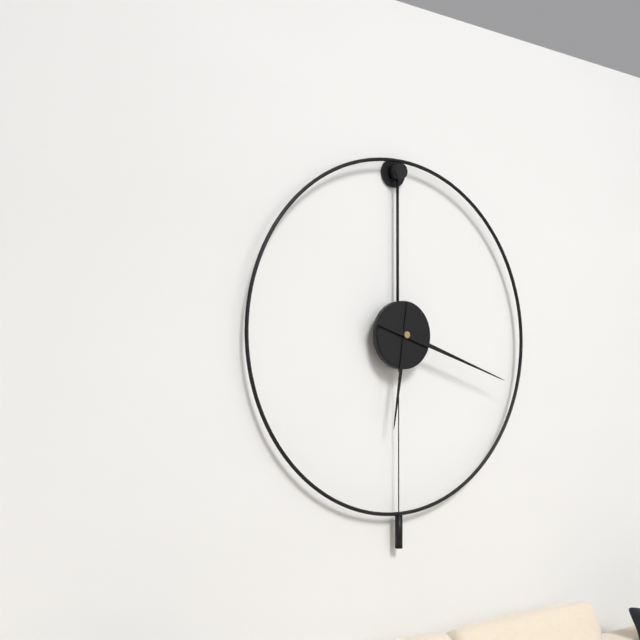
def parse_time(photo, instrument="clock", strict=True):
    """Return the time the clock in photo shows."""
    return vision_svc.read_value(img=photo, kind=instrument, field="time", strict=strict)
6:18
